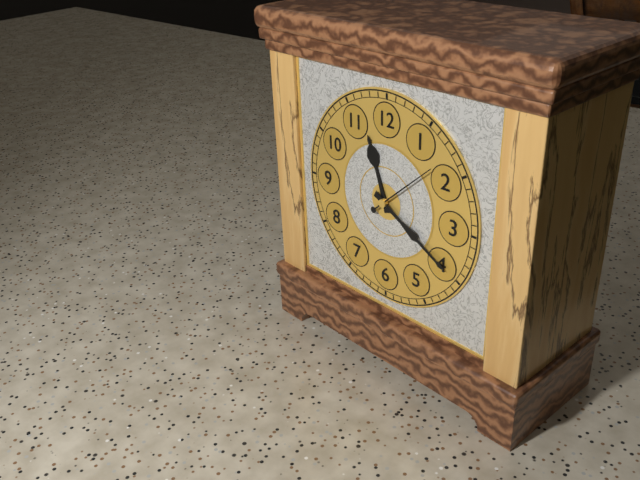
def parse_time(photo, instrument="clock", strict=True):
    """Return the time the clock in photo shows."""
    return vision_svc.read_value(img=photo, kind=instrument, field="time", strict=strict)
11:20:08
